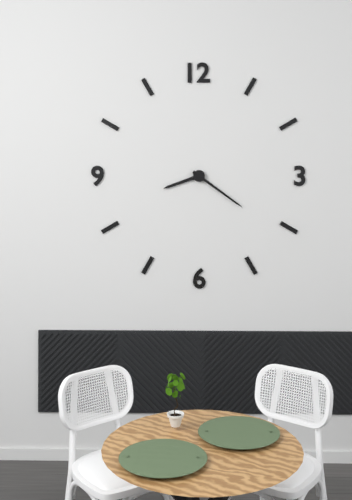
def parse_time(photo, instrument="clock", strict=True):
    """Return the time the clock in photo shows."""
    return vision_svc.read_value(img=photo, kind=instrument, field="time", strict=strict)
8:21
